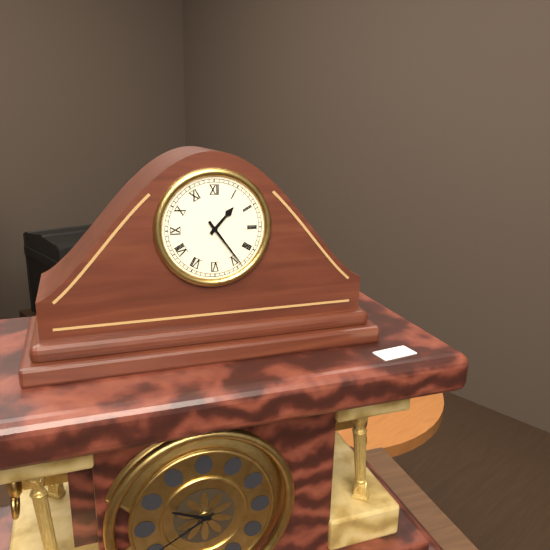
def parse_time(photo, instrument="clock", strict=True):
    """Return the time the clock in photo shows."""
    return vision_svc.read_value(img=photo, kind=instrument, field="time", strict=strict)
1:24
